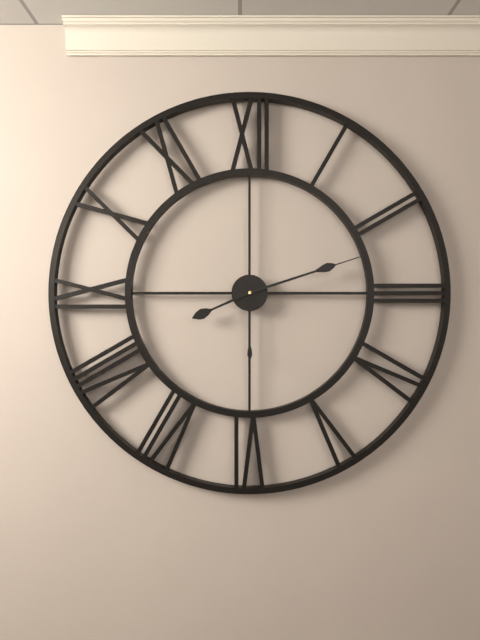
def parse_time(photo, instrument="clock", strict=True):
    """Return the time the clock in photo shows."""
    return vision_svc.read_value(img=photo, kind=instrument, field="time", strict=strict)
8:12:30
